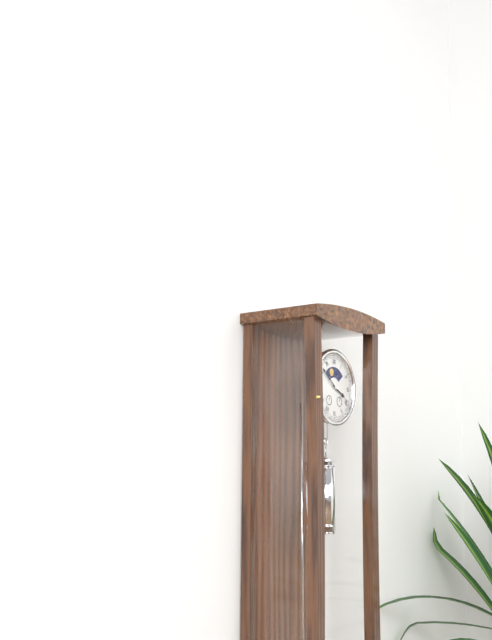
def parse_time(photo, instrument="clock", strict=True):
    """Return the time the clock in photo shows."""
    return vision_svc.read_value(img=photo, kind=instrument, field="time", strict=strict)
3:51
